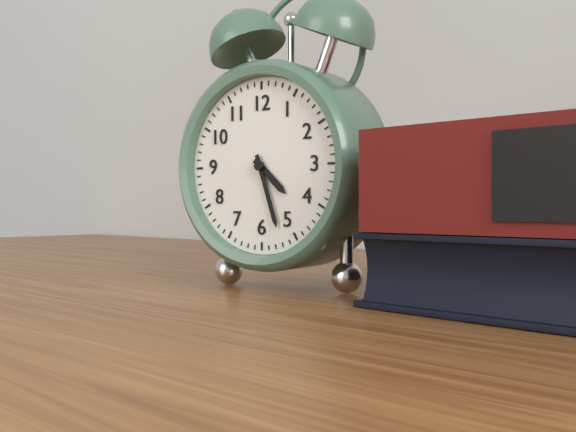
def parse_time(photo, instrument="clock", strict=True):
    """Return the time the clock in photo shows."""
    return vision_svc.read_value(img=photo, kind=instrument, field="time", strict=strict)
4:27
